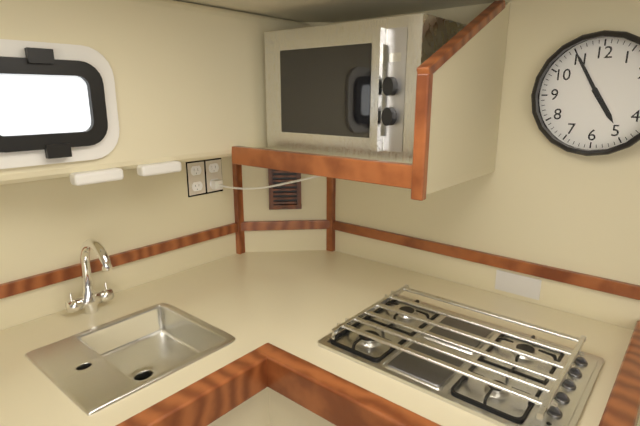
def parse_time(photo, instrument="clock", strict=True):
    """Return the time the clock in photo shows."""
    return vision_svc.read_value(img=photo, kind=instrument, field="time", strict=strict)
4:55
